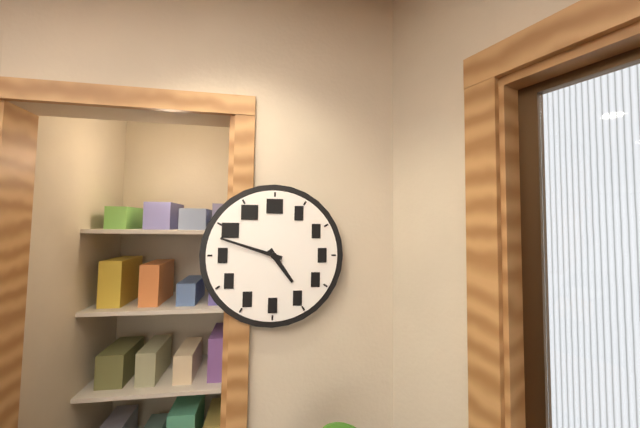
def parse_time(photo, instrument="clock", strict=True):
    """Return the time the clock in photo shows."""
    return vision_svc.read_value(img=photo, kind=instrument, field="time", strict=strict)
4:48
